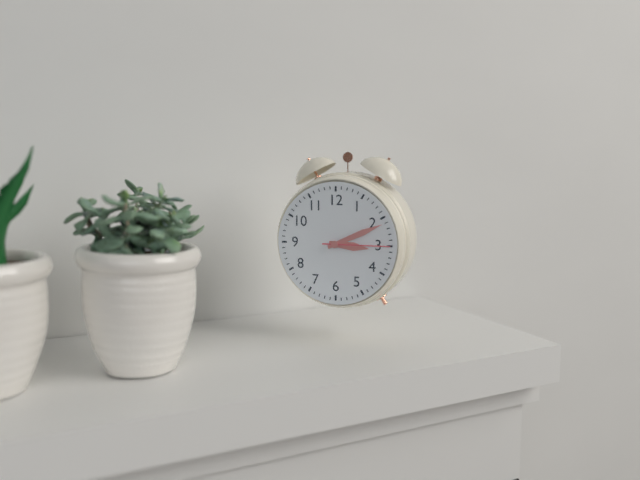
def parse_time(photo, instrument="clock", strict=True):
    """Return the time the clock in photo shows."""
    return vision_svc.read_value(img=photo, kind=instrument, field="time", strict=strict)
3:11:15
